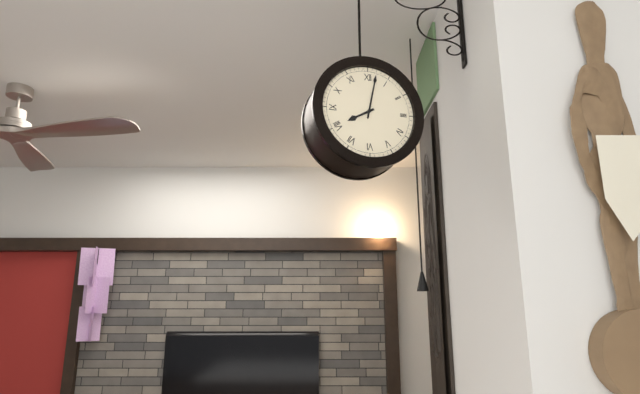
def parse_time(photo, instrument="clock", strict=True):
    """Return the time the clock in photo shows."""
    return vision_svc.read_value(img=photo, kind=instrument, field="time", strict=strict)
8:02
